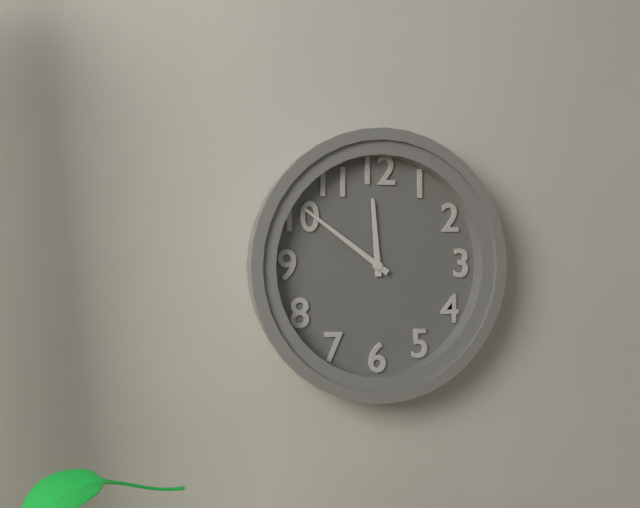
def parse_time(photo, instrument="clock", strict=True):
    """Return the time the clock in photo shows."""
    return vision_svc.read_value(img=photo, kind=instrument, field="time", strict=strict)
11:51
